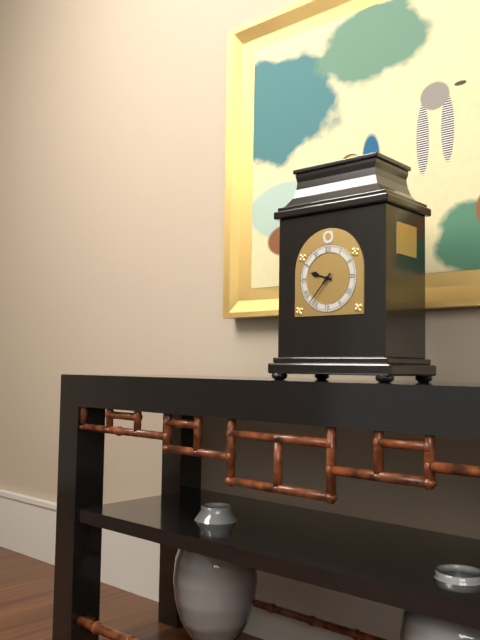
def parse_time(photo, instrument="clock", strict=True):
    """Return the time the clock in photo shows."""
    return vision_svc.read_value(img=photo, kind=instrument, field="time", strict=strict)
9:37
